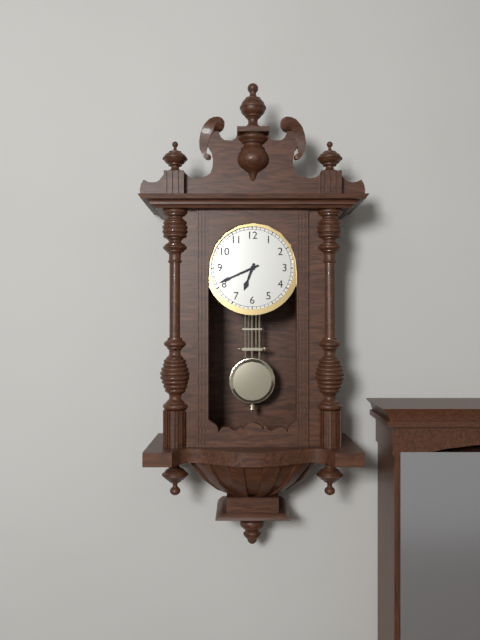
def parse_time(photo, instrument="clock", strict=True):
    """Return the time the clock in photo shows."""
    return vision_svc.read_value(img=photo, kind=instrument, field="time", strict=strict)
6:41
